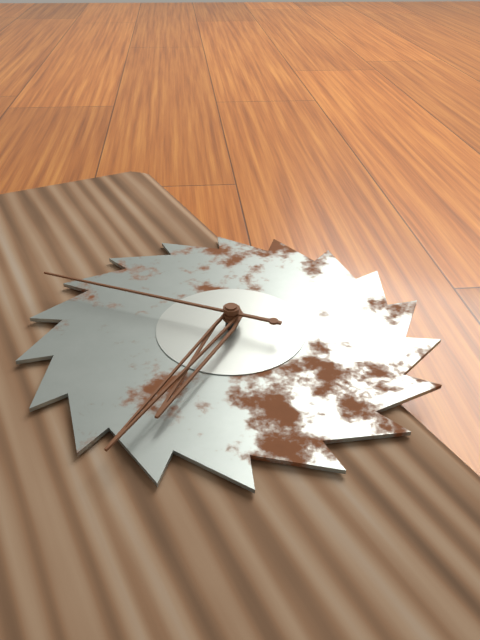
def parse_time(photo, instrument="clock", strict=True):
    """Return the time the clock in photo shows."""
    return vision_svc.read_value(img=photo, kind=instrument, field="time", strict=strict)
7:39:53
